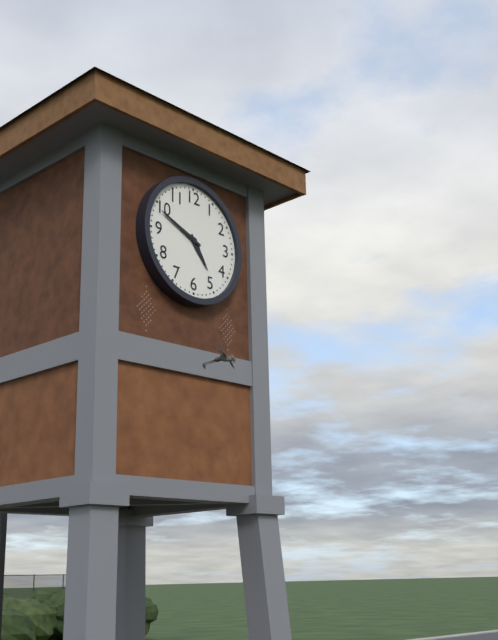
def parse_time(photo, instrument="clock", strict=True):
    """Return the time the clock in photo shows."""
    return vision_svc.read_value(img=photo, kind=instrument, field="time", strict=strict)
4:49
